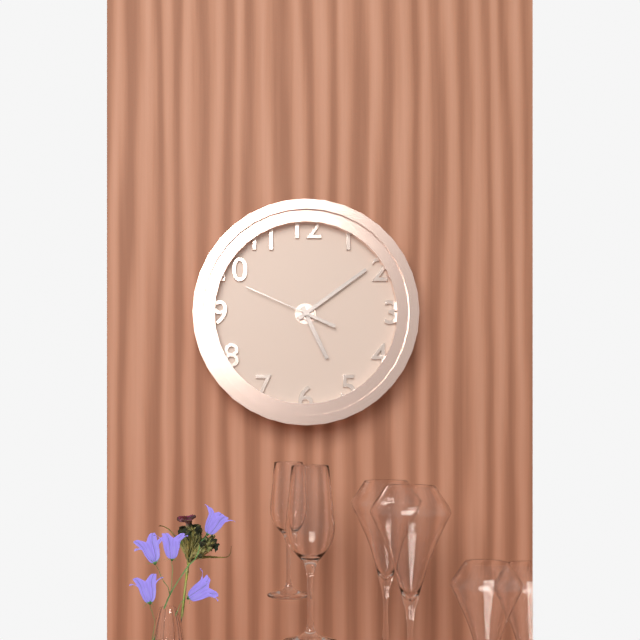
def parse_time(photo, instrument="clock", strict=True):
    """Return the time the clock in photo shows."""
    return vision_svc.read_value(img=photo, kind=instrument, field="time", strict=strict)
5:09:49
